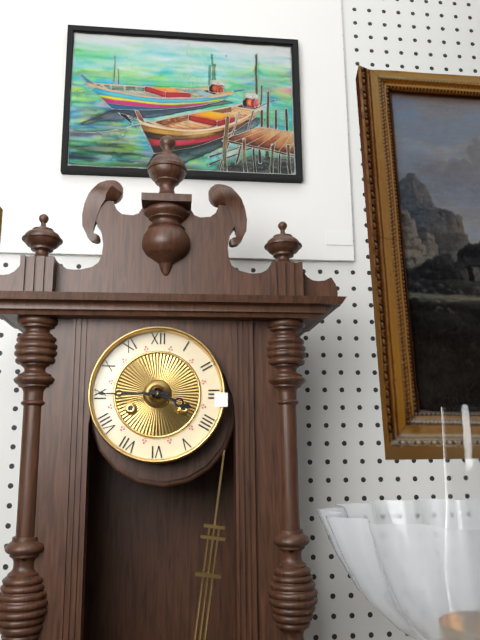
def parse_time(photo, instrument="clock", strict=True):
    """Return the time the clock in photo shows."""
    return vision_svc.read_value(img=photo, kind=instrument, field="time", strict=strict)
3:45
